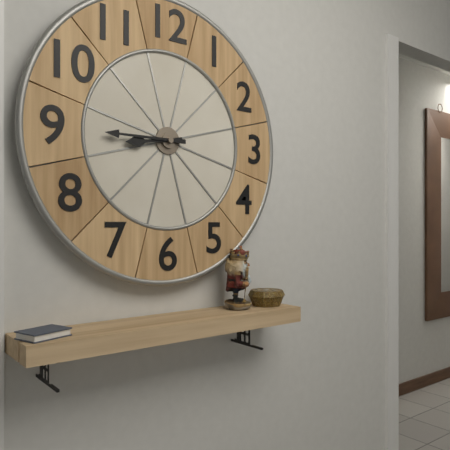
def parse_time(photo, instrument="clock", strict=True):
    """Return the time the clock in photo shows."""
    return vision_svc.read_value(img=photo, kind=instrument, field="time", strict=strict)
8:45
